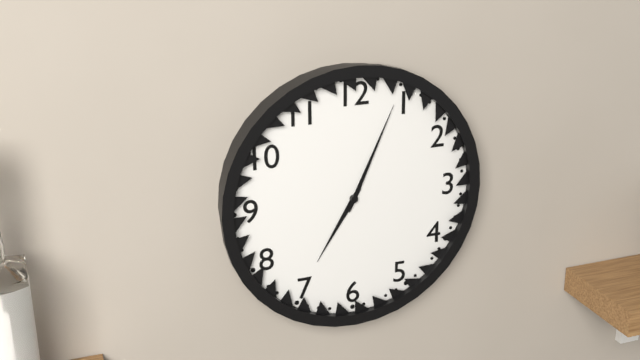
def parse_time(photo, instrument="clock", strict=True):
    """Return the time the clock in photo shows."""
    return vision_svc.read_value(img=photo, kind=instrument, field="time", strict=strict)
7:04
